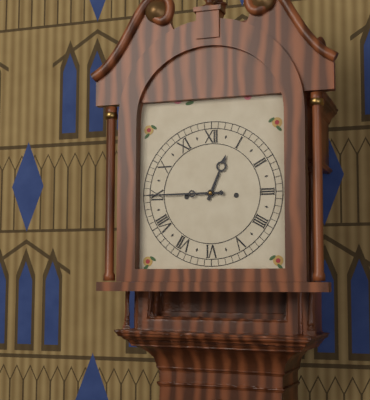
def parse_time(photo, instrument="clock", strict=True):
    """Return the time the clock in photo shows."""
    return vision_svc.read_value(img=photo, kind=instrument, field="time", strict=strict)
12:45
